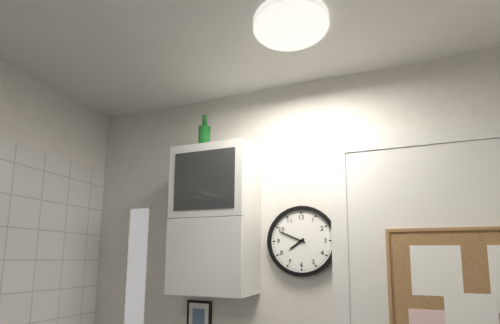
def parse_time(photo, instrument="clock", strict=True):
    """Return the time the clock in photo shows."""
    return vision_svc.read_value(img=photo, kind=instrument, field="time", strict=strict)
7:49
